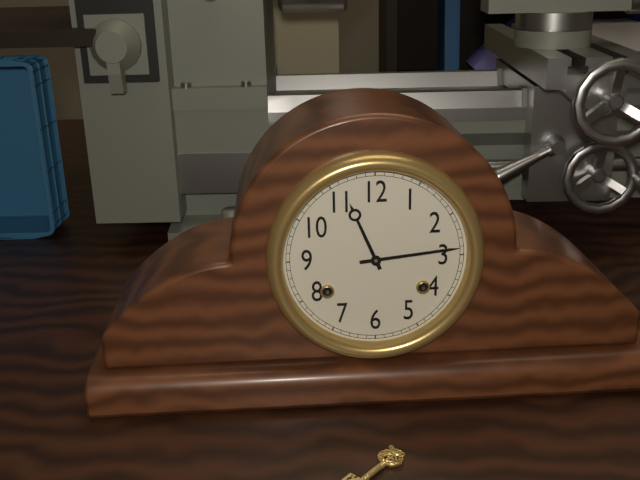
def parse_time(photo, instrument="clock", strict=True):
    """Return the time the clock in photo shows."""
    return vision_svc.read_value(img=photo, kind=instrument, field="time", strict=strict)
11:14
